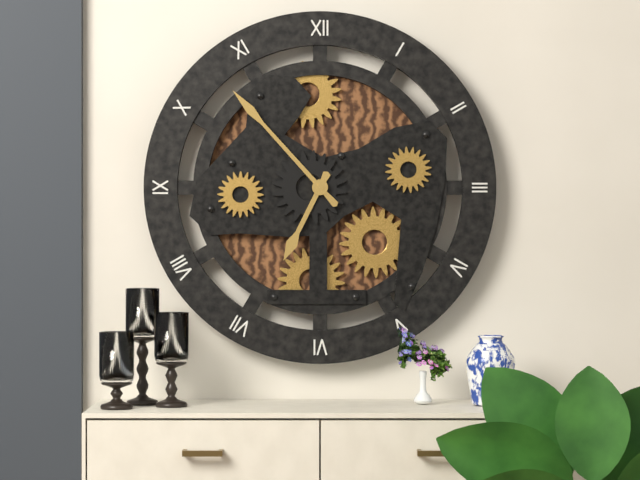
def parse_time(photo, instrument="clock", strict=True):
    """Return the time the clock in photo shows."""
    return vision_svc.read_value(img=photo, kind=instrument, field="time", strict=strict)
6:53
